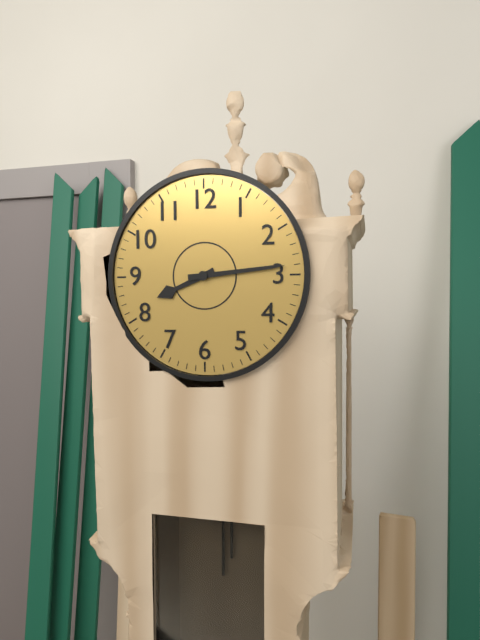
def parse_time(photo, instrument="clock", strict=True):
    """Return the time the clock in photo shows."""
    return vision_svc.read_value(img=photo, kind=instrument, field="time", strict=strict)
8:14
